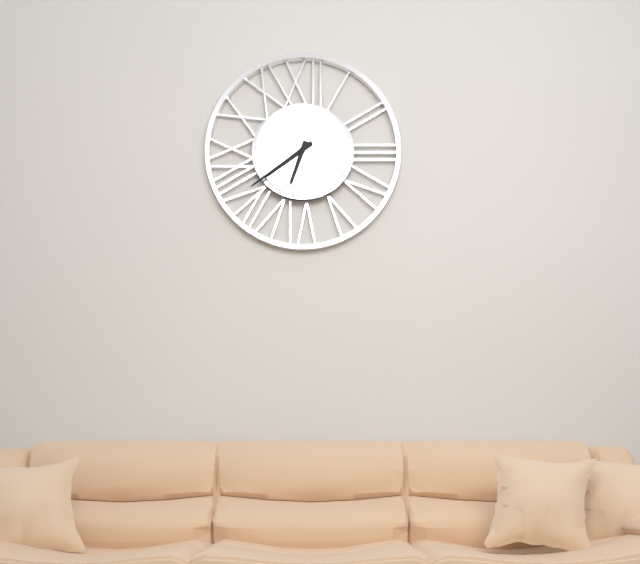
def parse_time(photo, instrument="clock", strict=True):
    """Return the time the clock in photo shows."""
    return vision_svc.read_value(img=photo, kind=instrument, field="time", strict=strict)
6:39
